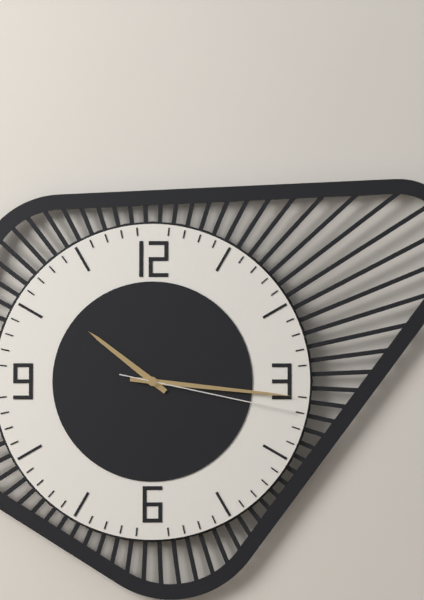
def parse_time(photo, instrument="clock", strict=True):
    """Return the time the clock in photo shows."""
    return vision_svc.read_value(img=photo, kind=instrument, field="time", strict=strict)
10:16:17
